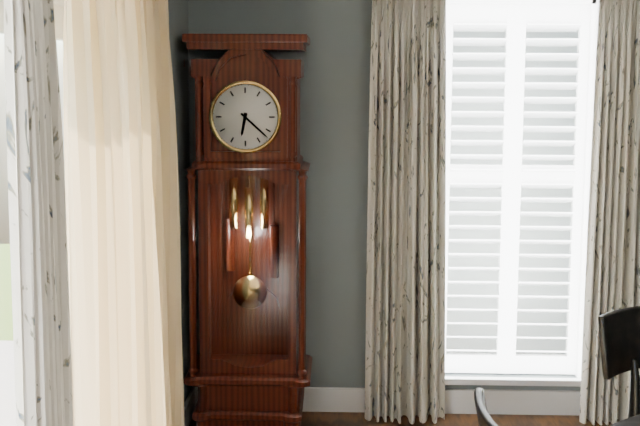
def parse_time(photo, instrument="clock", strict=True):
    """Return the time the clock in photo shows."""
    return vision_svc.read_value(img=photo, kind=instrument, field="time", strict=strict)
6:22
